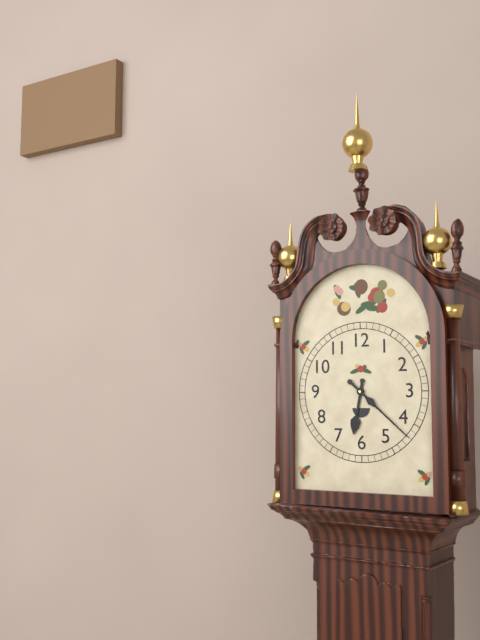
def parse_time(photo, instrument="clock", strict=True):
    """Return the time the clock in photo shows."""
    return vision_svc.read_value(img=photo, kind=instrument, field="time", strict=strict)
6:22
